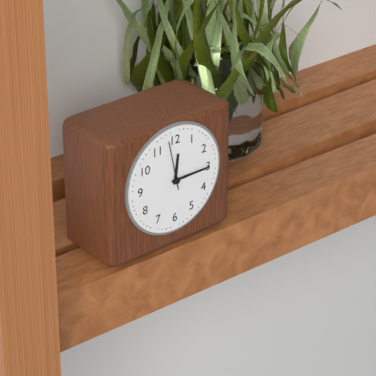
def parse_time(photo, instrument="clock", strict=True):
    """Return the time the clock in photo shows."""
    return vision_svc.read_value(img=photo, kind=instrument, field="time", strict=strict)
12:15
